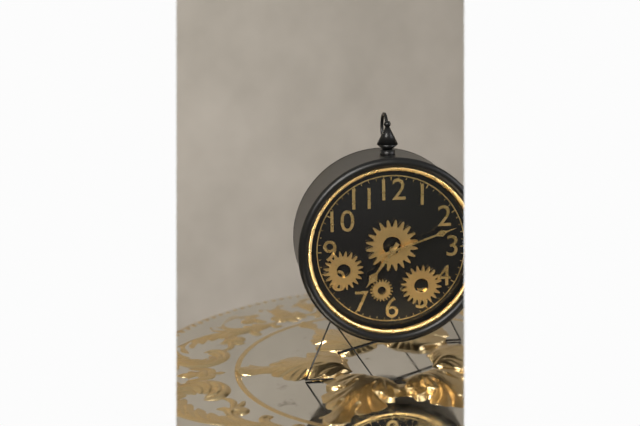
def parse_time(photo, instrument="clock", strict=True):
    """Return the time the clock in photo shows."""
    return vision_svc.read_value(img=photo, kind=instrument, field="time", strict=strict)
7:12
